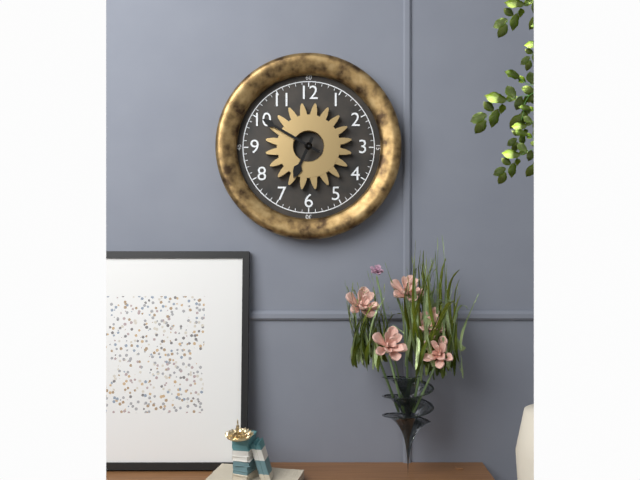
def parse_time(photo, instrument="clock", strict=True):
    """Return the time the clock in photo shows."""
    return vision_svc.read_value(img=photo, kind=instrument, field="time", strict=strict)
6:50
